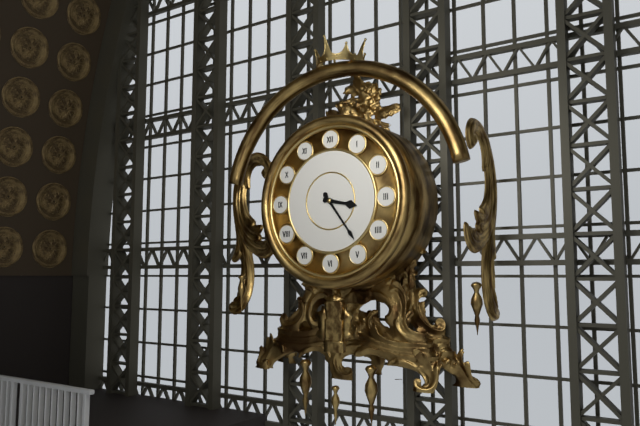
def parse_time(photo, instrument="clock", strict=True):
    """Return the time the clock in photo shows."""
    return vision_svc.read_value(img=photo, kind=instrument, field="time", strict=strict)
3:24
